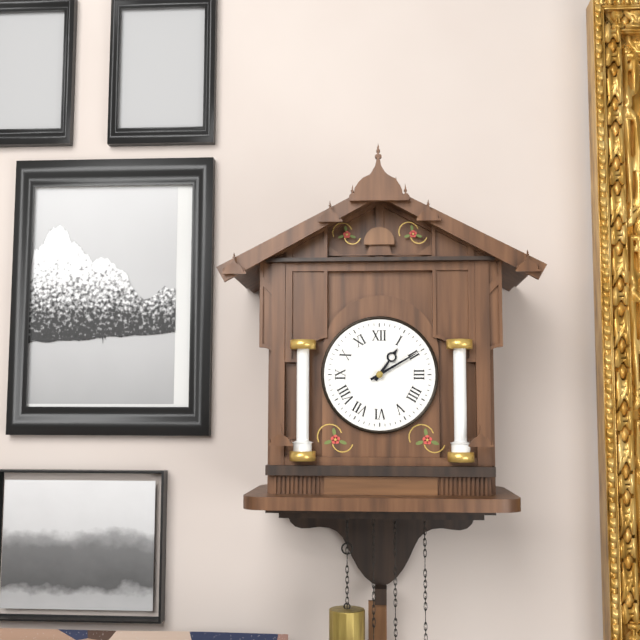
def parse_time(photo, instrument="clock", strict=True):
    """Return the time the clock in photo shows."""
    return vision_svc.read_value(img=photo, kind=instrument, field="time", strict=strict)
1:10
